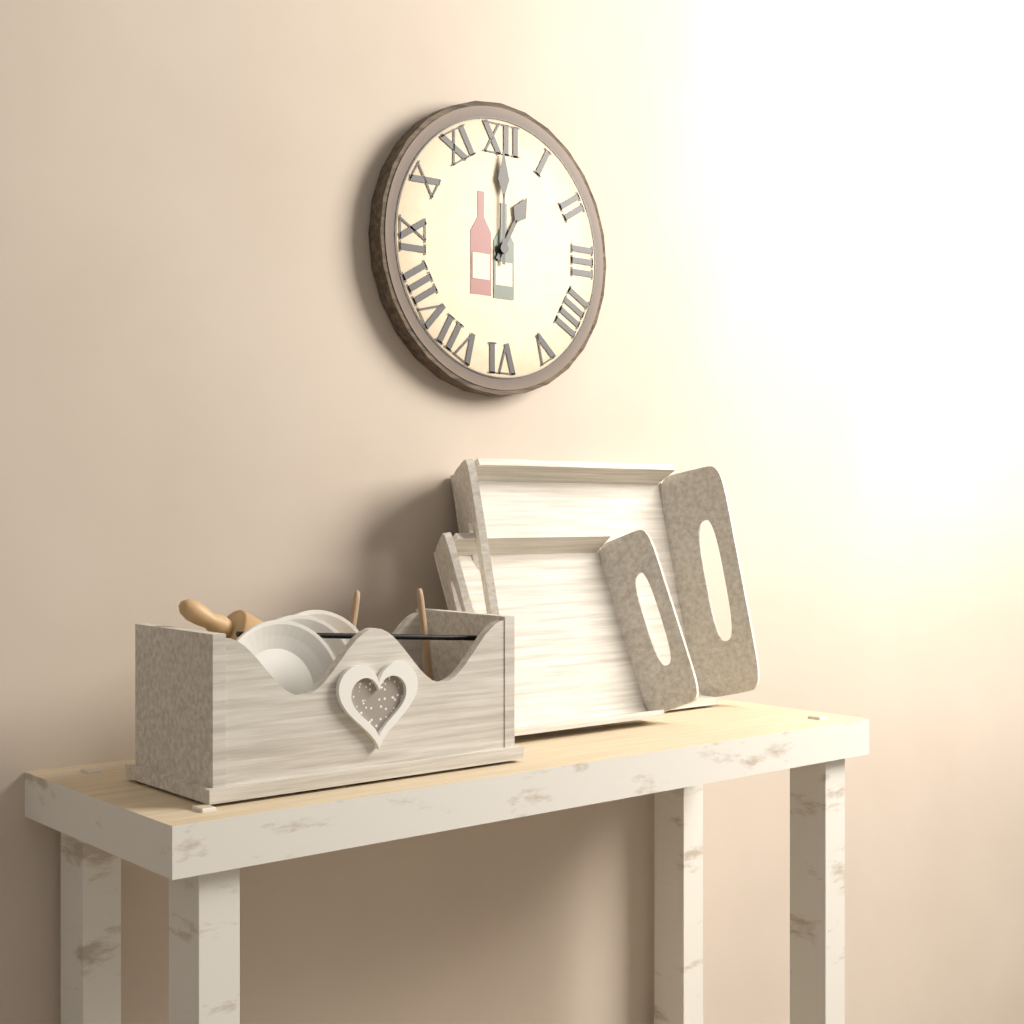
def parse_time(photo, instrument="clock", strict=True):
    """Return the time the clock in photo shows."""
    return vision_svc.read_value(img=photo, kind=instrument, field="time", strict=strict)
1:00
